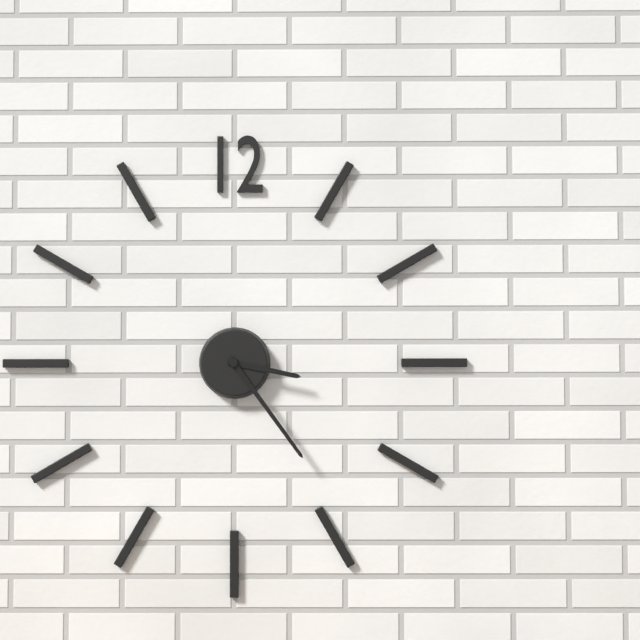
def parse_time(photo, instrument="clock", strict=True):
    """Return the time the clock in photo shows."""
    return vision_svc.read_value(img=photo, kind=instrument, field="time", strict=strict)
3:24
